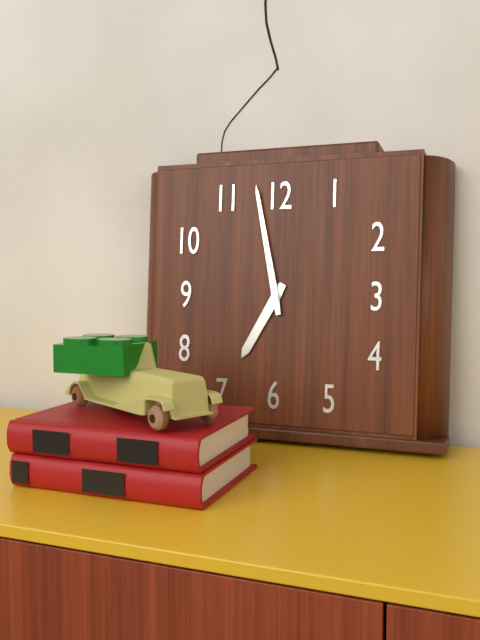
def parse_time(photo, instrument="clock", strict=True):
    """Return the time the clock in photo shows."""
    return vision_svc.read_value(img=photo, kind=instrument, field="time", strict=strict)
6:58
